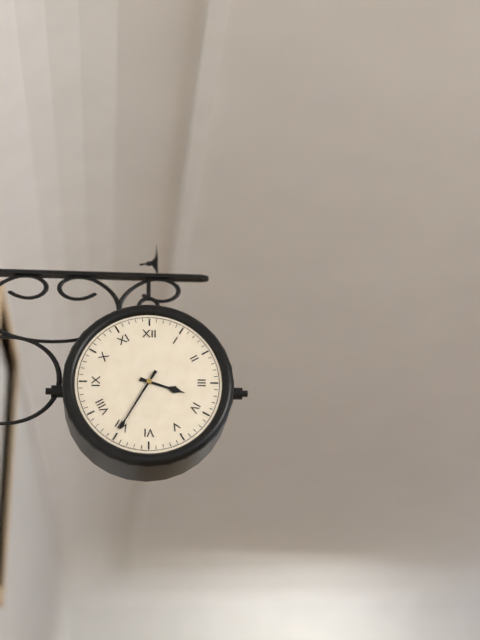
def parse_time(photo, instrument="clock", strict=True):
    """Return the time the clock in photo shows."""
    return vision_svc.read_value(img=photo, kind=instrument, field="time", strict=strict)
3:35
